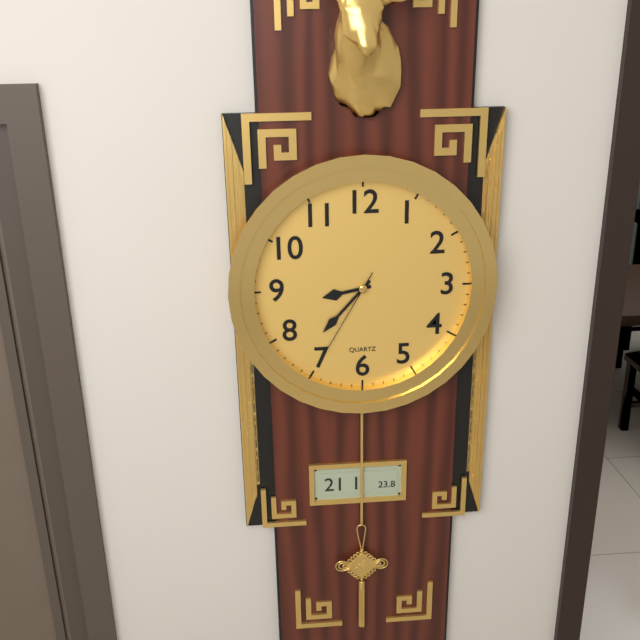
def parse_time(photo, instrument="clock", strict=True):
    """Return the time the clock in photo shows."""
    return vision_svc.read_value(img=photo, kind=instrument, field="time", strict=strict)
8:37:35
